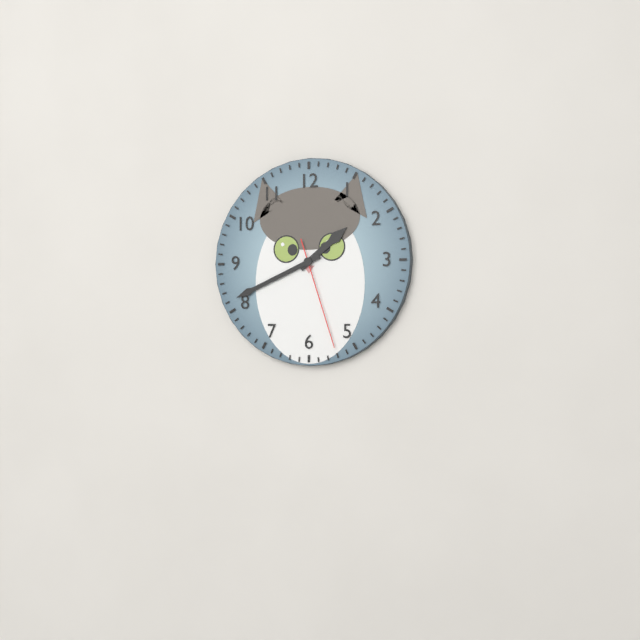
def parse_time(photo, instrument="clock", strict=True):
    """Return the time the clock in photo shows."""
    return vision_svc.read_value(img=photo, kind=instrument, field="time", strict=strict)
1:41:27
